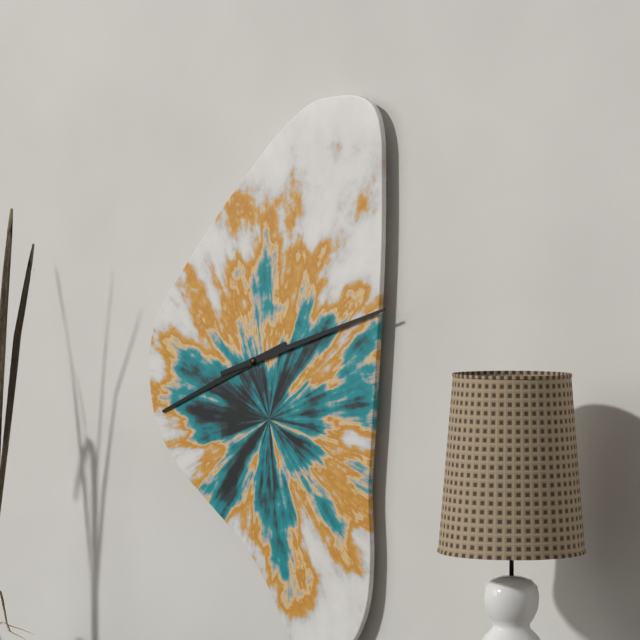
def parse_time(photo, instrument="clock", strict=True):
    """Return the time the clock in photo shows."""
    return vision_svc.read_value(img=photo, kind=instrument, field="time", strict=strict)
8:12
